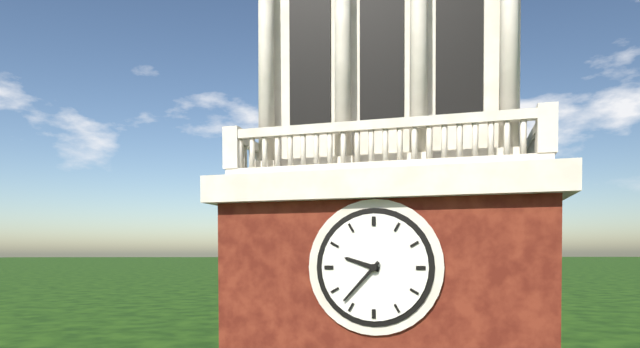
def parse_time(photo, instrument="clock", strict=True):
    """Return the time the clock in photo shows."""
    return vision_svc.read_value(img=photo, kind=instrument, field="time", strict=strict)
9:37
